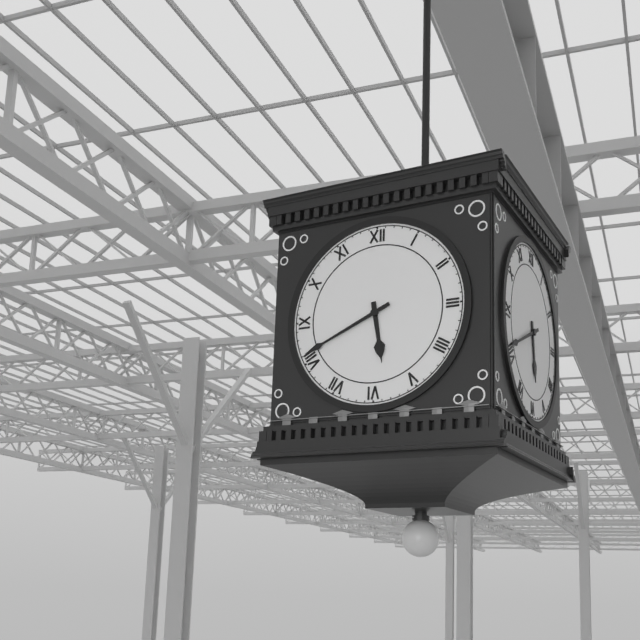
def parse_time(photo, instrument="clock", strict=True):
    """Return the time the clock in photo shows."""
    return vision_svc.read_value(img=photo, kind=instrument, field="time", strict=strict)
5:41
